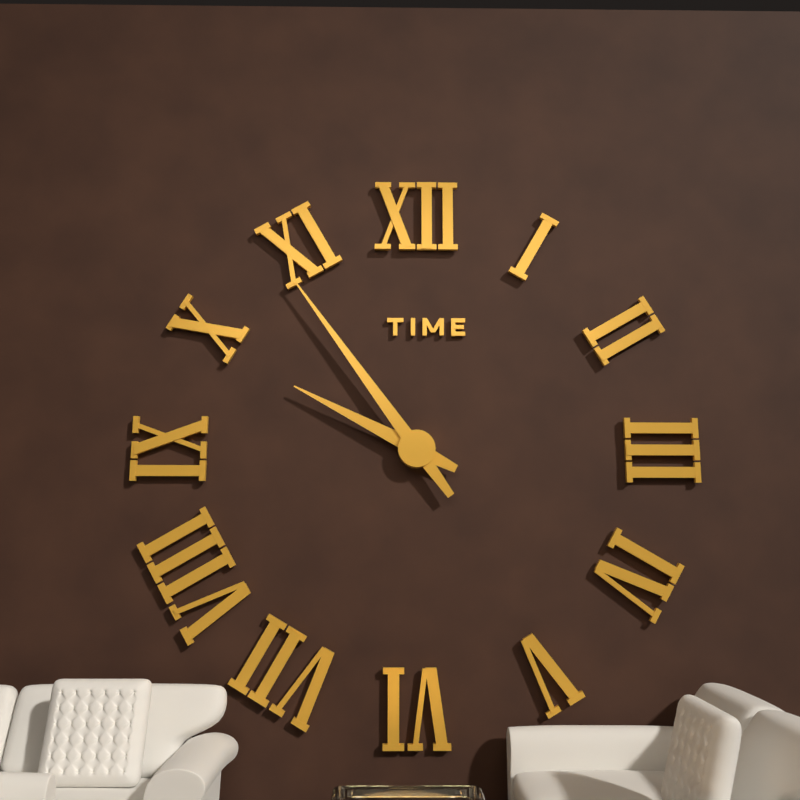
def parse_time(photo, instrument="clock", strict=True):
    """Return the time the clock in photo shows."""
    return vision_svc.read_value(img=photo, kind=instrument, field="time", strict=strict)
9:54
